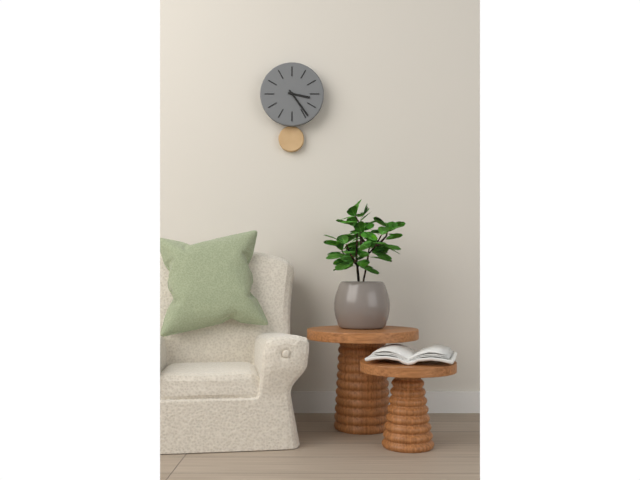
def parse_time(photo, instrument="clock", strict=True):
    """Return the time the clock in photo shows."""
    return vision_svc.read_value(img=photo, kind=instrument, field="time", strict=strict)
3:24
